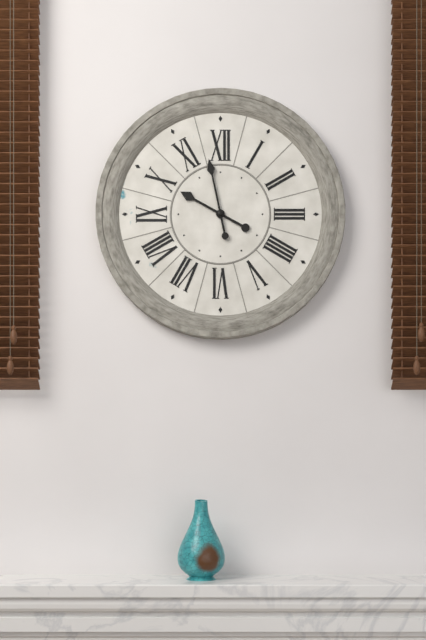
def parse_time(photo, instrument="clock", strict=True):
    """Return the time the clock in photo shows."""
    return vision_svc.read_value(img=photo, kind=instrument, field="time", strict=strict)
9:58
